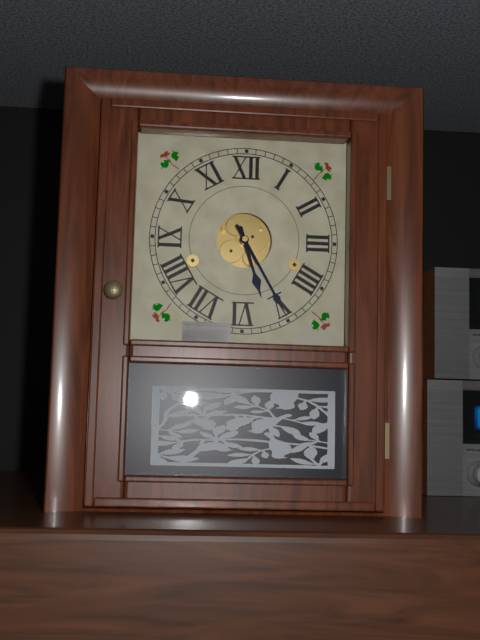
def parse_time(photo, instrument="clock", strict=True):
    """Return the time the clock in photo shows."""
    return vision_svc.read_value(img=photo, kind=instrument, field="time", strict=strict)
5:25
